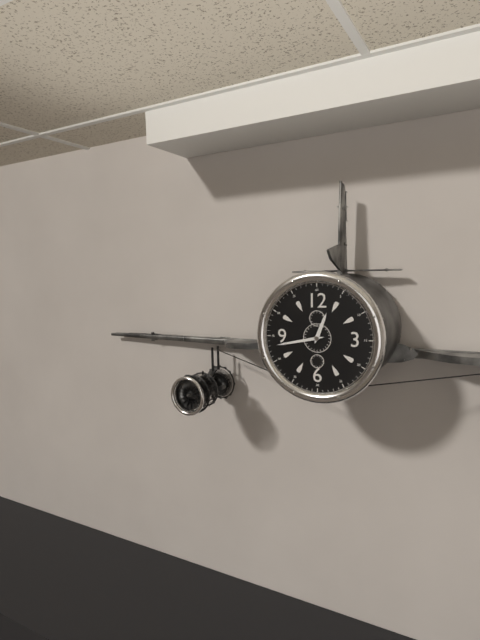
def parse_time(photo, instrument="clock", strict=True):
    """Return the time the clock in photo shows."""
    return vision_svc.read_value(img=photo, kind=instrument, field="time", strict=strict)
12:43
